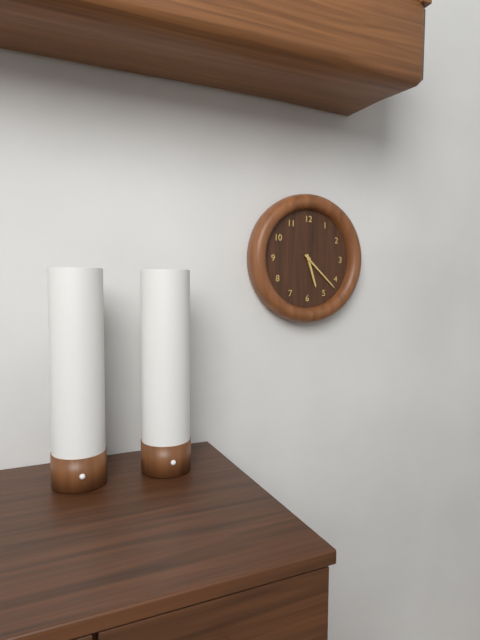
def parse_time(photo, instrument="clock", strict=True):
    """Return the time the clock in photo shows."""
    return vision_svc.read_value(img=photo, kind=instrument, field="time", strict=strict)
5:22
